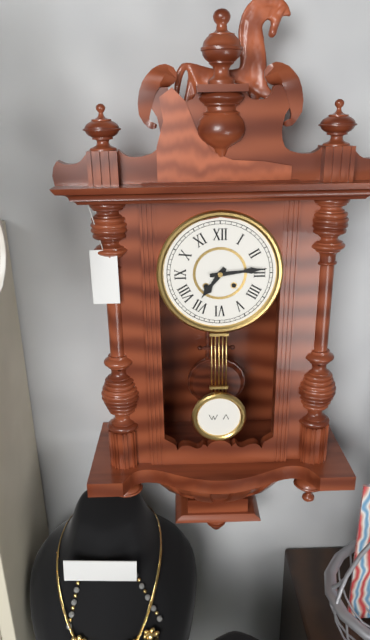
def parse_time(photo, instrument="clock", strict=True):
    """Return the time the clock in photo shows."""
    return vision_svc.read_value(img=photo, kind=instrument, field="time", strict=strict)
7:14
